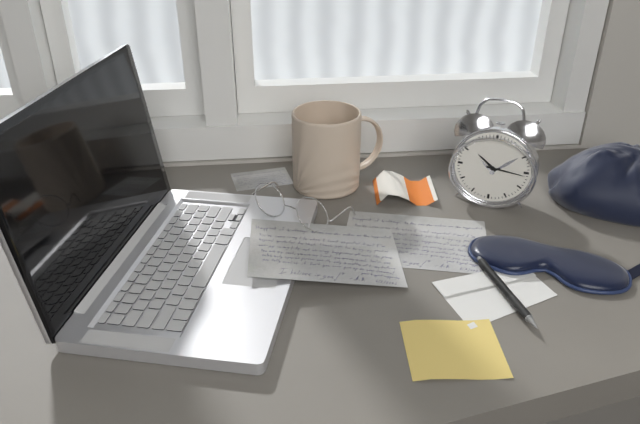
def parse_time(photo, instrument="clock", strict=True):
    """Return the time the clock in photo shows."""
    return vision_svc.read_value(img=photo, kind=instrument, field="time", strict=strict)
10:16
